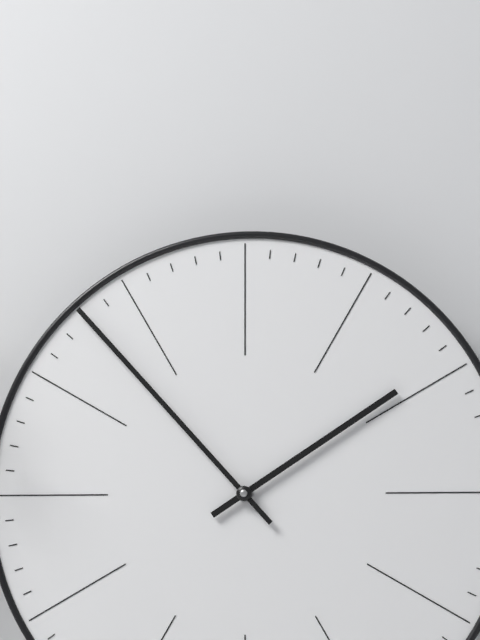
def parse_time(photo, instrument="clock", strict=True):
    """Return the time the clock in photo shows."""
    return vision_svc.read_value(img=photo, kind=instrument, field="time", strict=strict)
1:53
